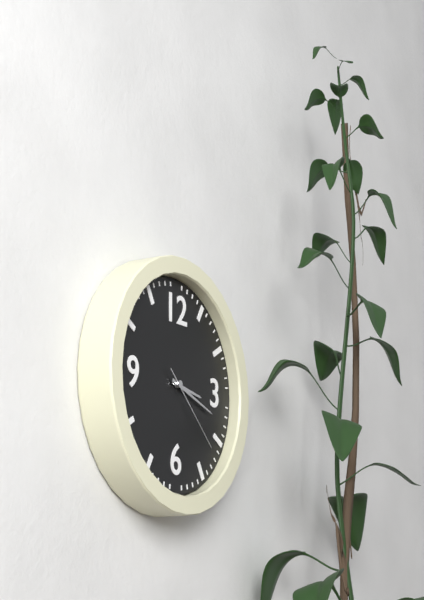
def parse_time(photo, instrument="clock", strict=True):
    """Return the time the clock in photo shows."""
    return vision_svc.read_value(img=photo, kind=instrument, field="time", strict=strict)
3:18:22
